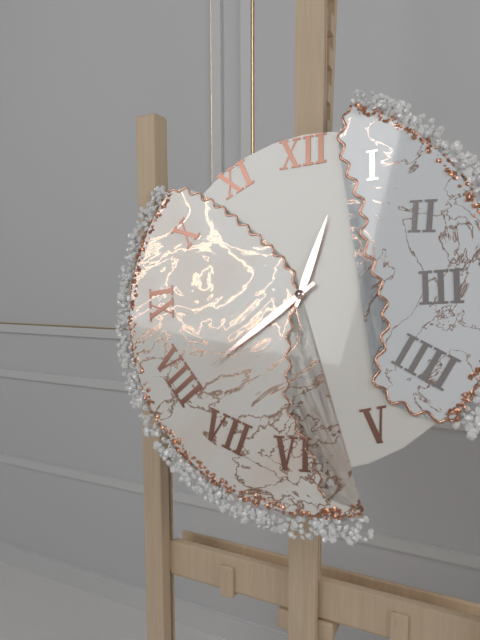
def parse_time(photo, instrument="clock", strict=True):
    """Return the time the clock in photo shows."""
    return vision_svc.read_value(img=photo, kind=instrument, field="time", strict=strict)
12:39
